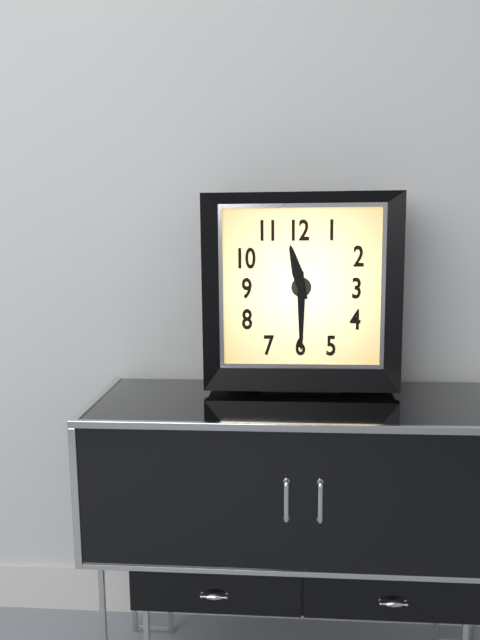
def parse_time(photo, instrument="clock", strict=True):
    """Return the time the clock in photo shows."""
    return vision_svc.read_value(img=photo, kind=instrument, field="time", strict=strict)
11:30
